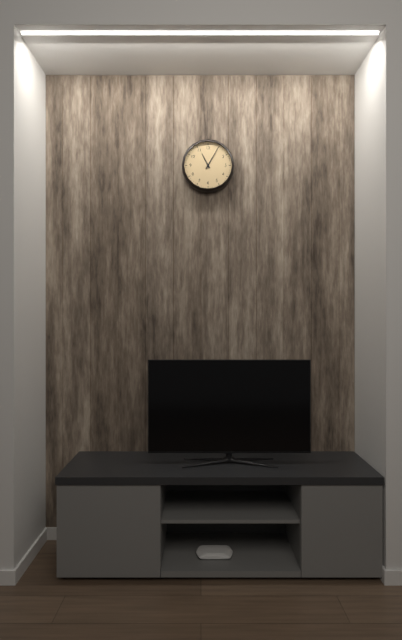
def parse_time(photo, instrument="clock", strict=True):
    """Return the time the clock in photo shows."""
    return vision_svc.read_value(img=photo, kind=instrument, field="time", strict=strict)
11:05
